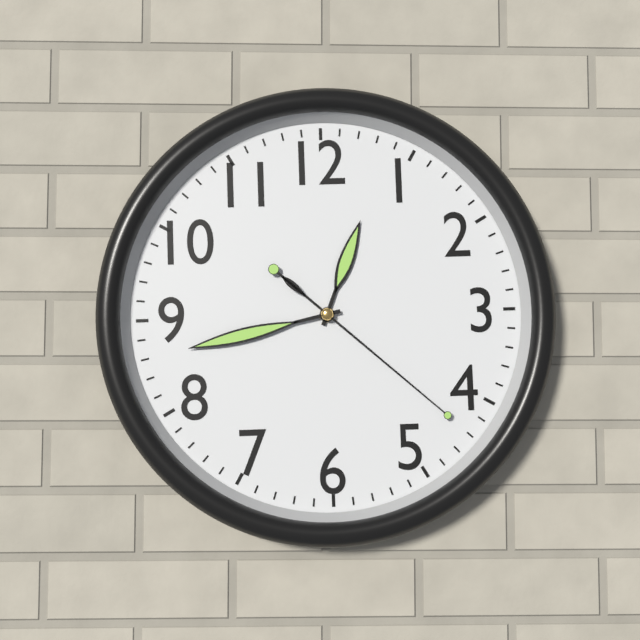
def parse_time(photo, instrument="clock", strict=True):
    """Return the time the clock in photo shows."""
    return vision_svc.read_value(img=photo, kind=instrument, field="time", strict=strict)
12:43:22
